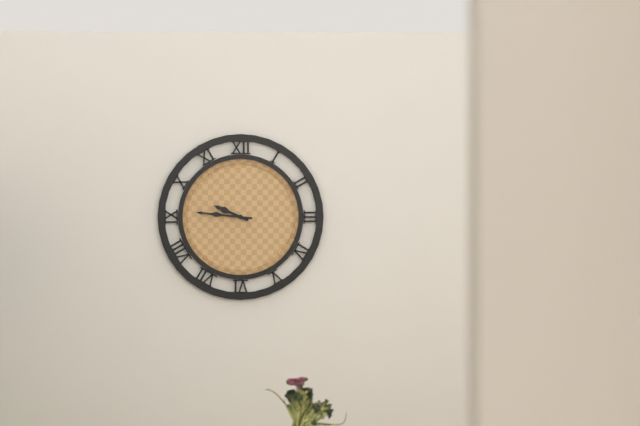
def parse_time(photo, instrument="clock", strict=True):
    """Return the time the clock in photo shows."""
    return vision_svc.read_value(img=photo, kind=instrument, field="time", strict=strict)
9:46
